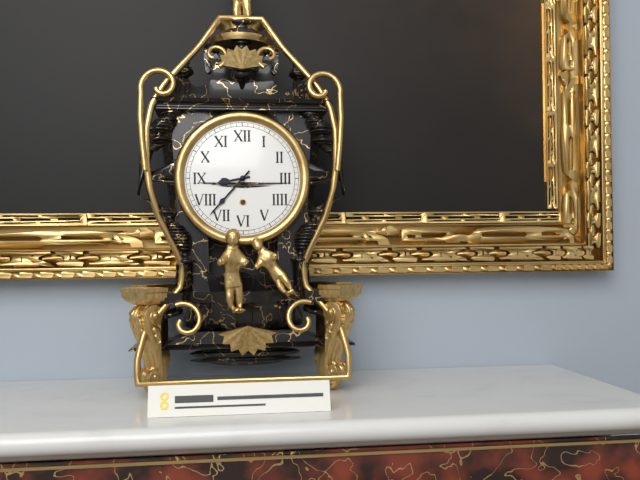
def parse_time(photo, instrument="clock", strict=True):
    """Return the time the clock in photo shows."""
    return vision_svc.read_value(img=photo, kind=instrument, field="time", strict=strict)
8:37
